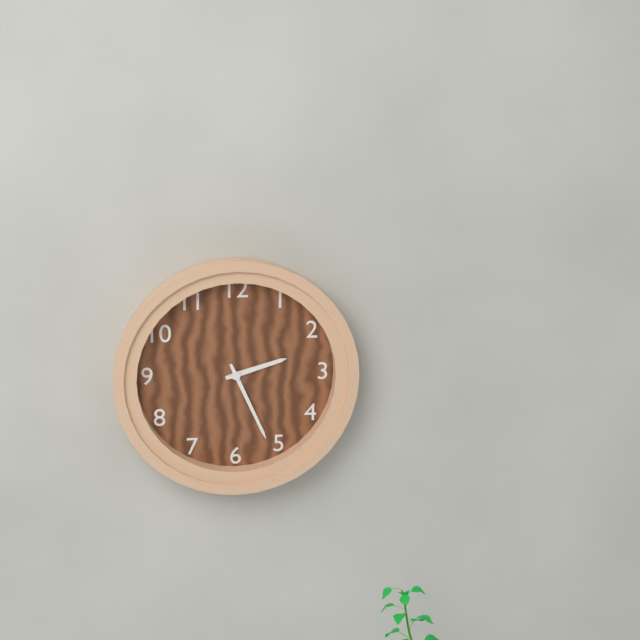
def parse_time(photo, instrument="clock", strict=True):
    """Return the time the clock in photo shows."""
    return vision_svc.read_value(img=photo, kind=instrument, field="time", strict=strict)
2:26
